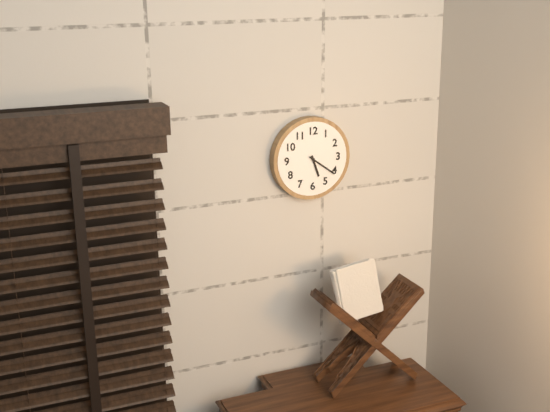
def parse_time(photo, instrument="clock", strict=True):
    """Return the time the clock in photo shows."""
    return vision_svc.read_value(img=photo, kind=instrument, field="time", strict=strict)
5:21
